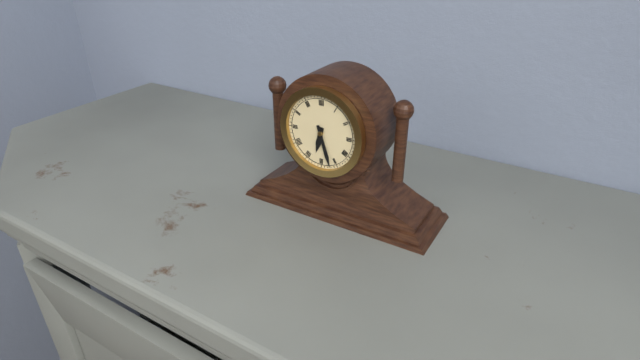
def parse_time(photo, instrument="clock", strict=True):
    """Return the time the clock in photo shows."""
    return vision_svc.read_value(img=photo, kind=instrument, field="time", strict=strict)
6:27
